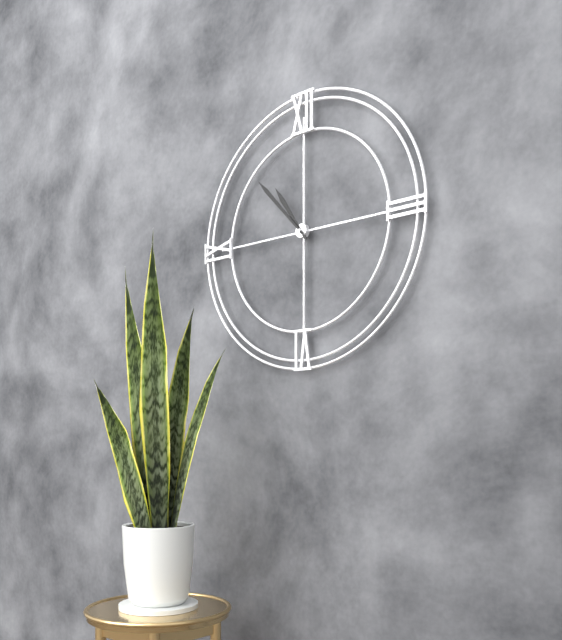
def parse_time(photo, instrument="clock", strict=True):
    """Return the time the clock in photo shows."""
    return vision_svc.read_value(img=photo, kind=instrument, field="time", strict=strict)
10:53
